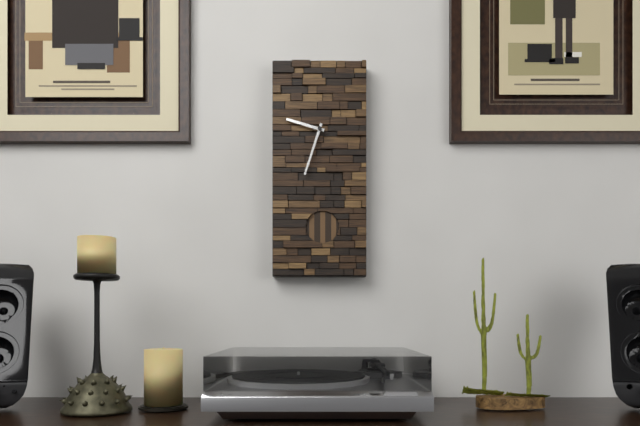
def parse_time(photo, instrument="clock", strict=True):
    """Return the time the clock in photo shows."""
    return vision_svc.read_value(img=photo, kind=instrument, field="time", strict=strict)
9:33
